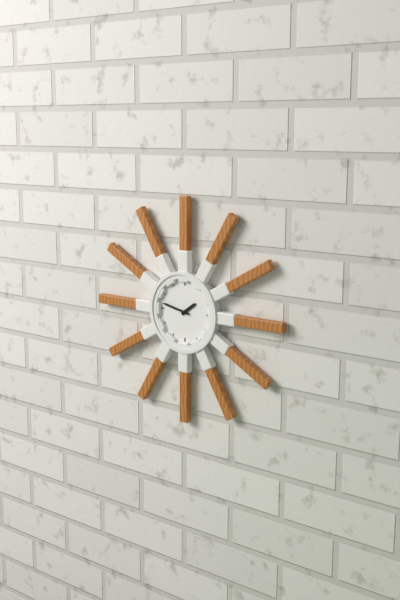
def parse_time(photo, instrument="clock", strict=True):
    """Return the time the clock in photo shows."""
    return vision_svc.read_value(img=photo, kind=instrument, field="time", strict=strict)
1:47
